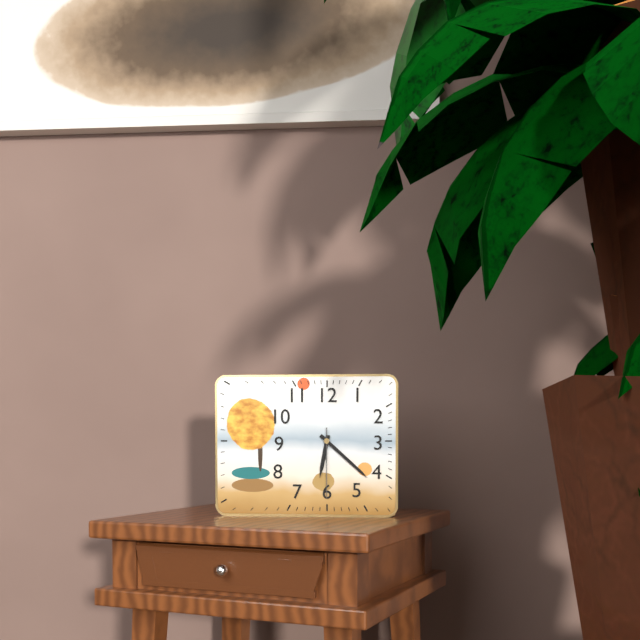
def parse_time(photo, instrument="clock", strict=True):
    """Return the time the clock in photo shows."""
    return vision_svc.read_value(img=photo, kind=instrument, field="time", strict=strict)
6:22:30
